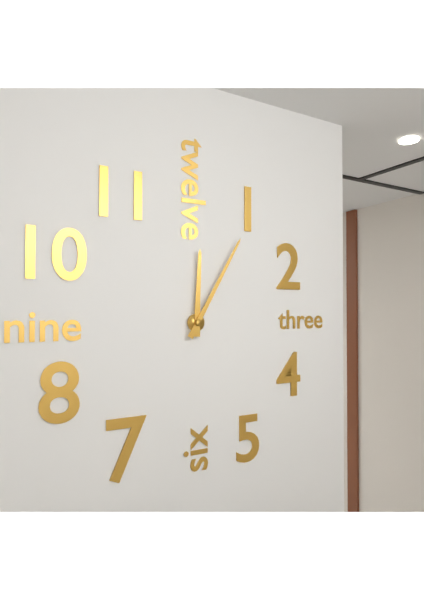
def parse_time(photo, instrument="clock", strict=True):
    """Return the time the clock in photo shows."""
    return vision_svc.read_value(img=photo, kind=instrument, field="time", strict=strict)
12:05
